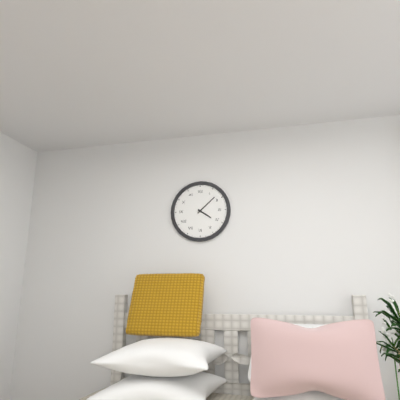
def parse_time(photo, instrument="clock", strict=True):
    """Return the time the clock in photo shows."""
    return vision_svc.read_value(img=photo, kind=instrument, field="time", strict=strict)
4:08
